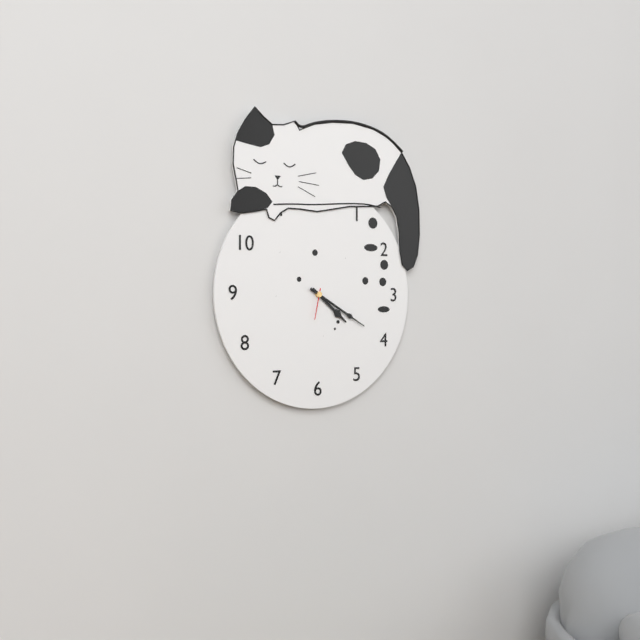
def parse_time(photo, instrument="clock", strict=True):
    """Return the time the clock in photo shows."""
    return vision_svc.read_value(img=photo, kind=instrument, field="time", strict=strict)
4:20
